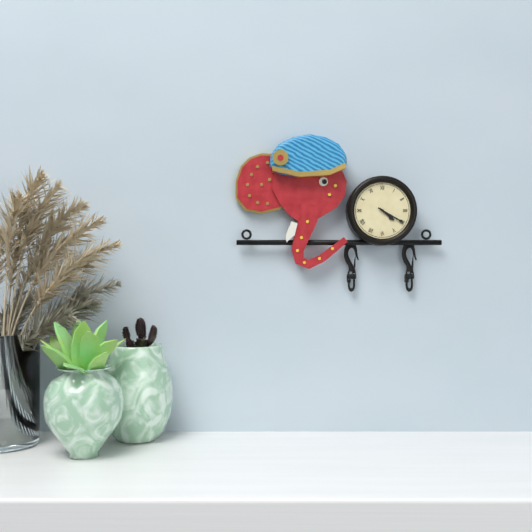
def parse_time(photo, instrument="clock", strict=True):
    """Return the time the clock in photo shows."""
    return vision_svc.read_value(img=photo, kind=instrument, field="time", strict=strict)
4:20
